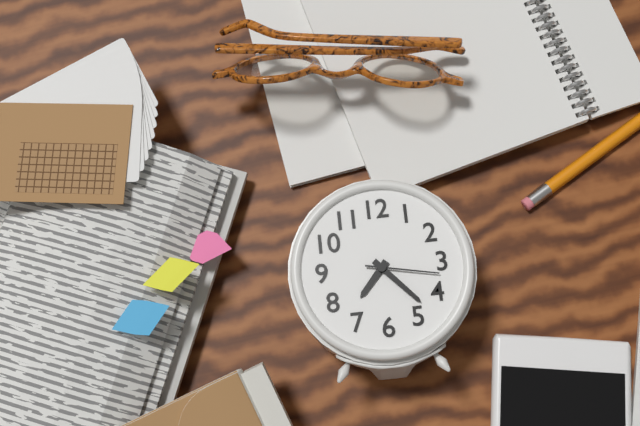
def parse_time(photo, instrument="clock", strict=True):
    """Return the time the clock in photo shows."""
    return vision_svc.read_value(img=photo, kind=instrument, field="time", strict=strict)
7:23:17
